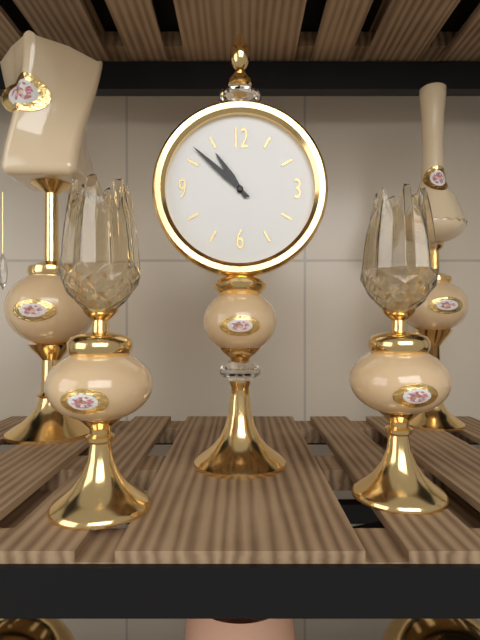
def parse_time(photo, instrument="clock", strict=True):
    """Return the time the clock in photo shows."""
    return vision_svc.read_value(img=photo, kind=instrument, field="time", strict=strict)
10:52
